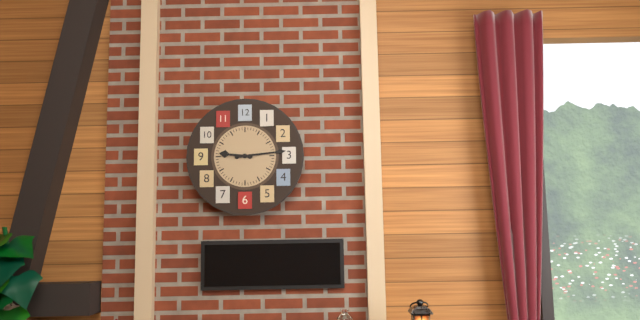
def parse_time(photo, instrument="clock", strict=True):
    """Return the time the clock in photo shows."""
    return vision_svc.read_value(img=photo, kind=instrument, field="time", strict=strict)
9:14
